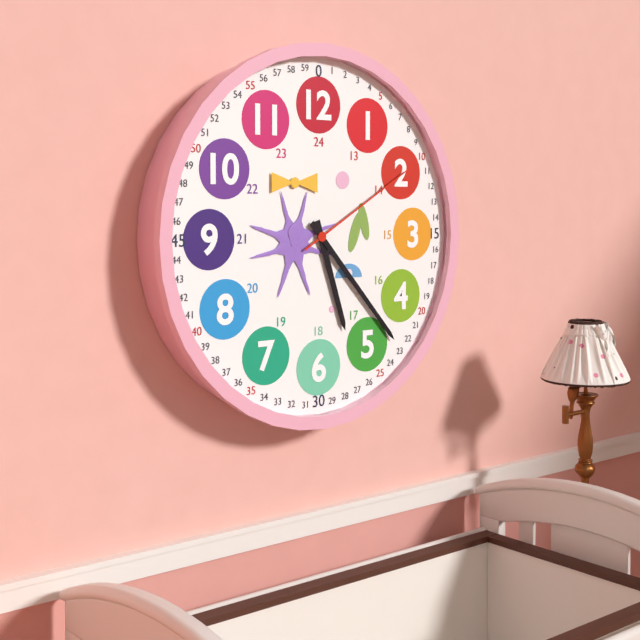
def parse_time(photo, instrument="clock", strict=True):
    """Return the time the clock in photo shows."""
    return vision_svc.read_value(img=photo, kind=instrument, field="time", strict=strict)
5:23:10
